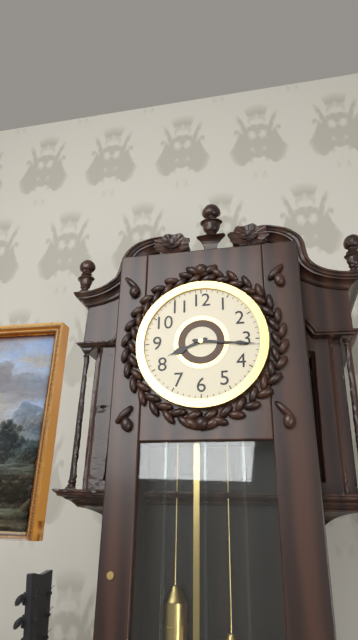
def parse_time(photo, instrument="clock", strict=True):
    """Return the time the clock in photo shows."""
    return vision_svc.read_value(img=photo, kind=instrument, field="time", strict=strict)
8:16
